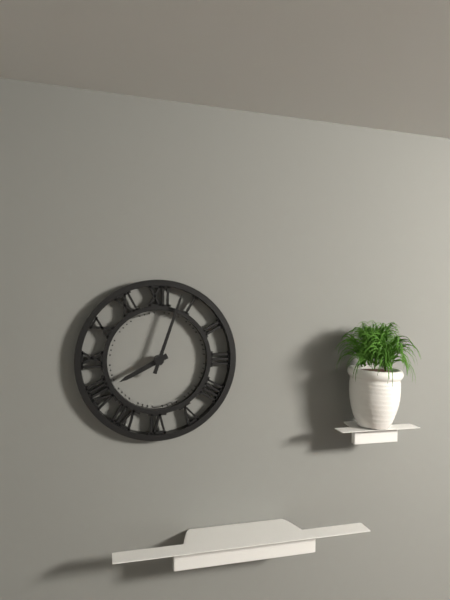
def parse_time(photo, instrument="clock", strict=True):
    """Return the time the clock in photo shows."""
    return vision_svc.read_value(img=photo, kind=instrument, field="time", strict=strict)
8:03
